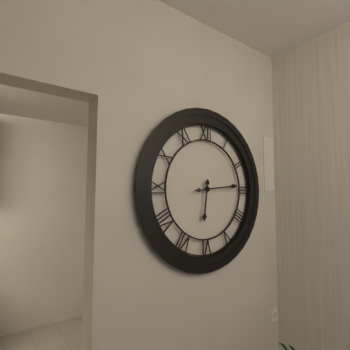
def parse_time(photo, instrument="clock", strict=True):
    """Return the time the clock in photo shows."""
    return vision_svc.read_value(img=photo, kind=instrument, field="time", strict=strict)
6:14
